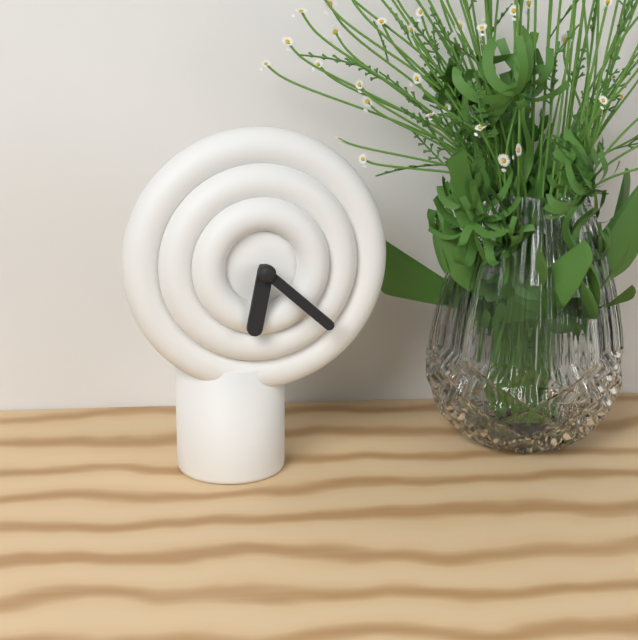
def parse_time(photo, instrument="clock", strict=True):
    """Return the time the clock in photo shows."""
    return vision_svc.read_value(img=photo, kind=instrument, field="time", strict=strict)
6:22
